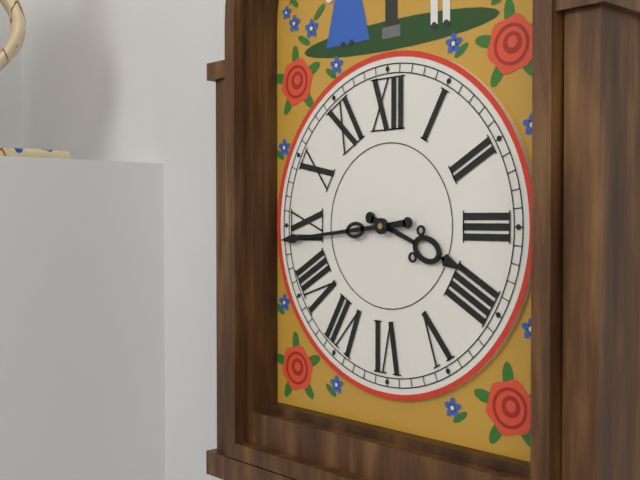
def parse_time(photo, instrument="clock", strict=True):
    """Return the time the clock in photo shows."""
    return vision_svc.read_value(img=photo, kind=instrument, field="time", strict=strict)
3:44
